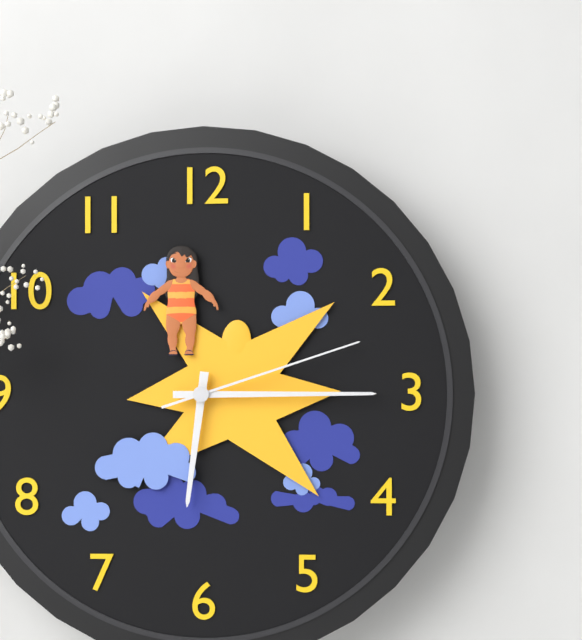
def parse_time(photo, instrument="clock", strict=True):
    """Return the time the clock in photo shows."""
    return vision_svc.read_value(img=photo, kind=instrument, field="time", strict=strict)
6:15:12
